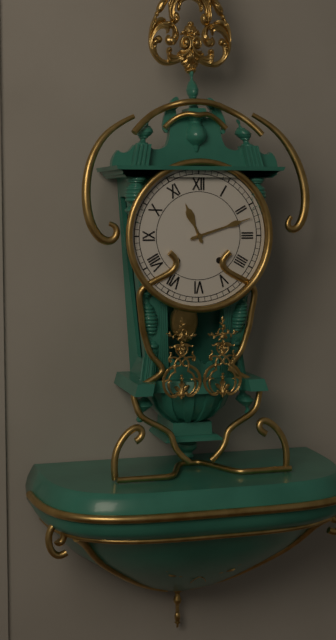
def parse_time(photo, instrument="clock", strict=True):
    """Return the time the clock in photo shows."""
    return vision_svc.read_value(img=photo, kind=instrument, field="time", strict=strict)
11:12
